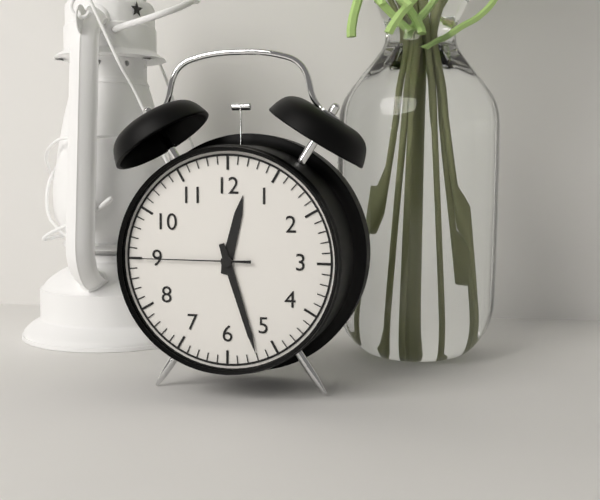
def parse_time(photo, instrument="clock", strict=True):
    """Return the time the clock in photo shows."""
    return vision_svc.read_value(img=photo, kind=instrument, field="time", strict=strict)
12:27:45
